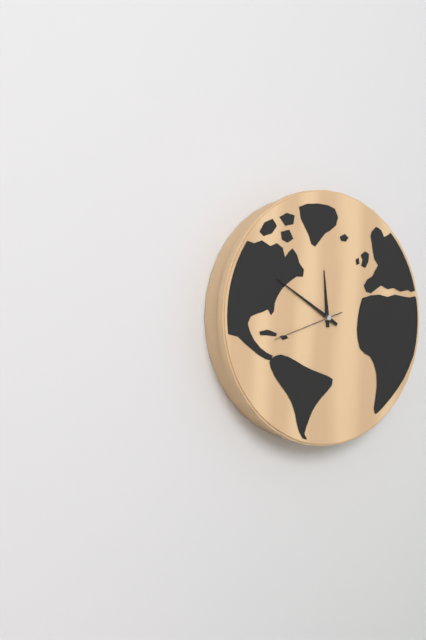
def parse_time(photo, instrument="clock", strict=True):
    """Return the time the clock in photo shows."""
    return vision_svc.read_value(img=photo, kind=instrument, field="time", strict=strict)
11:50:42
